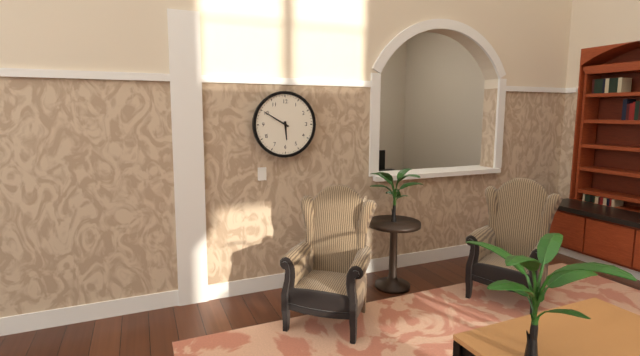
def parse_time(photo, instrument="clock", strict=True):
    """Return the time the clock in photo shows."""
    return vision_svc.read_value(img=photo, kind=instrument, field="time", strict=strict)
5:50
